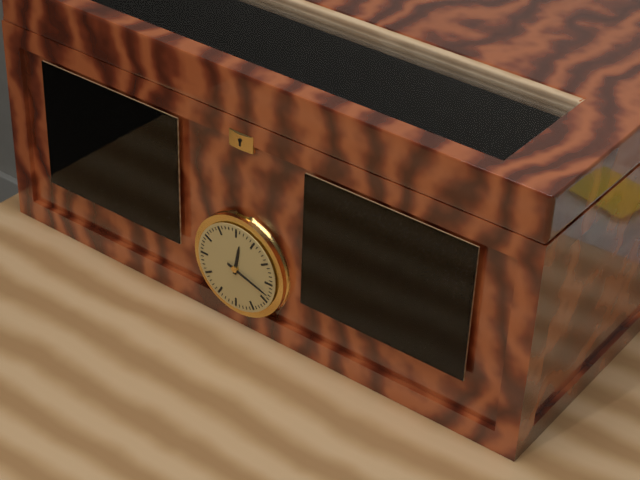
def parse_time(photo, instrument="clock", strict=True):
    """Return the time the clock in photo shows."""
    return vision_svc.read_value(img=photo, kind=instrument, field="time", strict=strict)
12:18
